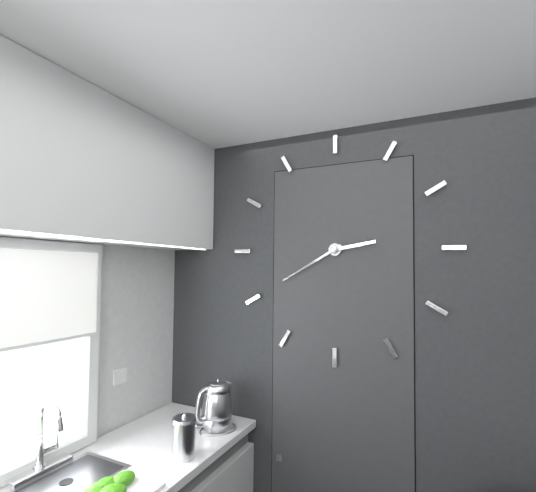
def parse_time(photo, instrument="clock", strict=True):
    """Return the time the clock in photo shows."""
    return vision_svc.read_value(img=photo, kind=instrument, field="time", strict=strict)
2:40
